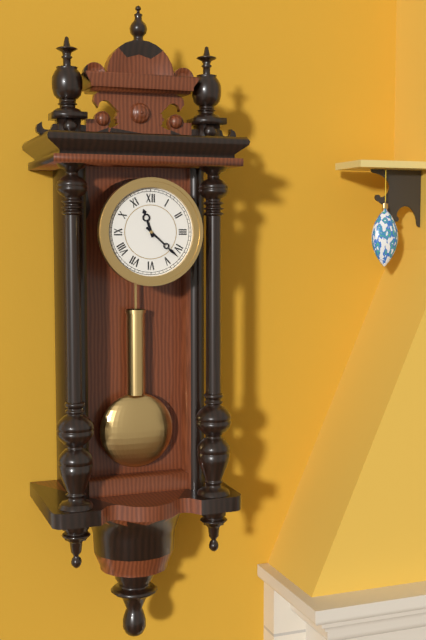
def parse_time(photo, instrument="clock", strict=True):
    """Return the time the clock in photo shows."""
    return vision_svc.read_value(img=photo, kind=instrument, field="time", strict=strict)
11:22
